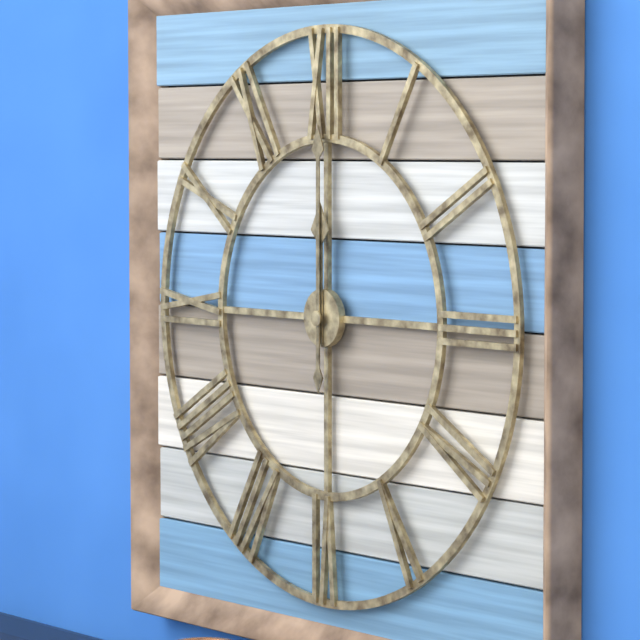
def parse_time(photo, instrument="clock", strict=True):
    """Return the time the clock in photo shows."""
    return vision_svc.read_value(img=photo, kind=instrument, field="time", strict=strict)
12:00
